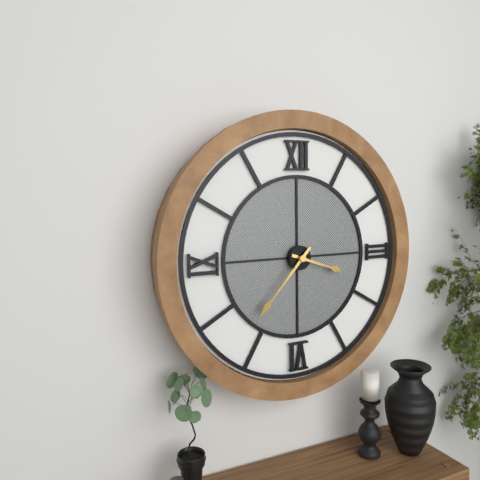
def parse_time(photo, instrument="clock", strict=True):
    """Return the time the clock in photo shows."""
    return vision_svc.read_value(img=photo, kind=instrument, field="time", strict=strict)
3:37
